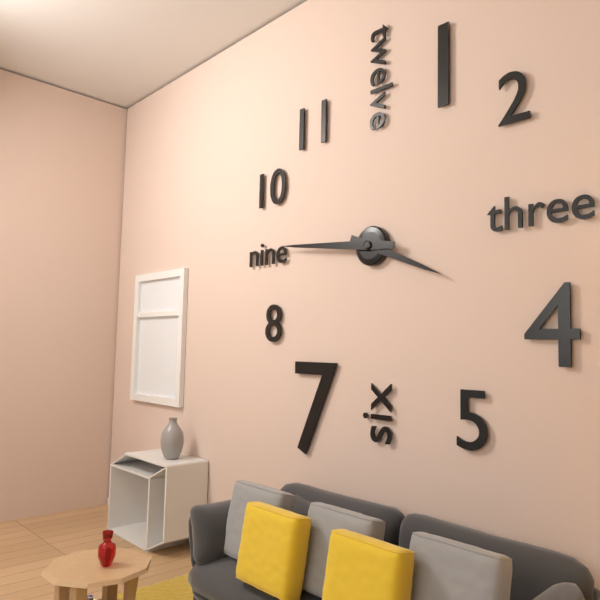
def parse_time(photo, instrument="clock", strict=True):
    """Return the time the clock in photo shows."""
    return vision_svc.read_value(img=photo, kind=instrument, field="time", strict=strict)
3:46
